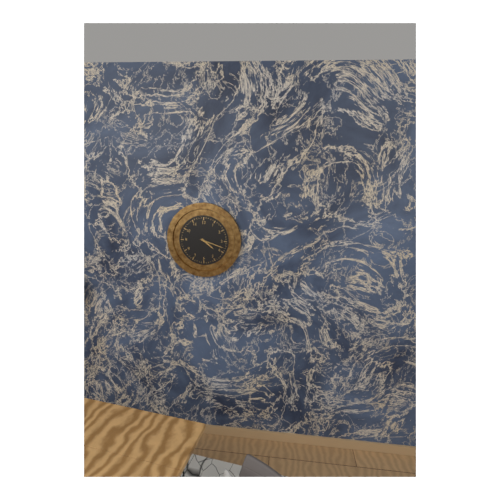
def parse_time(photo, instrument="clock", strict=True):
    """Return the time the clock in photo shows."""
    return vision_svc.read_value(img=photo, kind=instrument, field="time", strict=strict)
4:18
